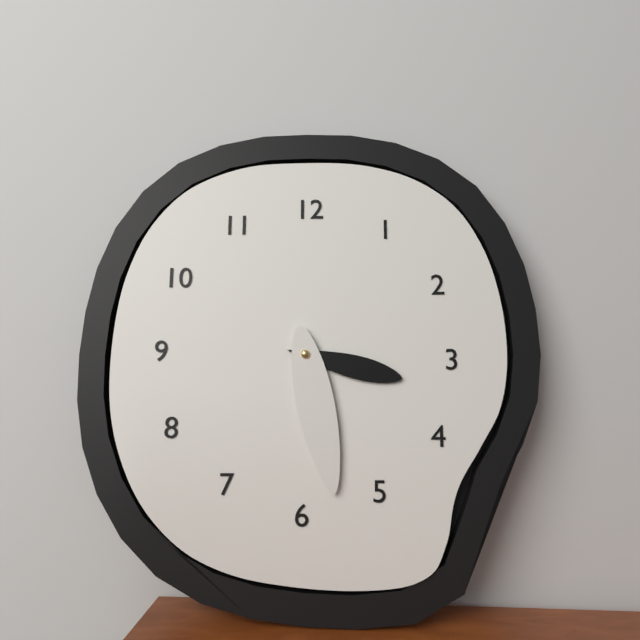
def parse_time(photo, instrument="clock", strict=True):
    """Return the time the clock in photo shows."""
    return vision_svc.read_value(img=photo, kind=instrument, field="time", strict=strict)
3:28
